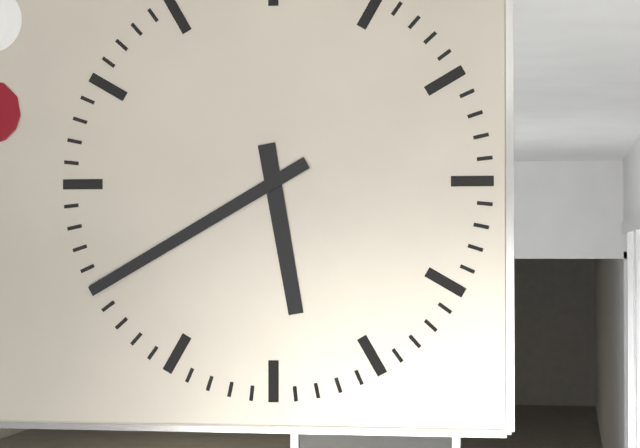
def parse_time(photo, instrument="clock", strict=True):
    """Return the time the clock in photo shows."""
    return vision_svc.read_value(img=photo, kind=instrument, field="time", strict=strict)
5:40
